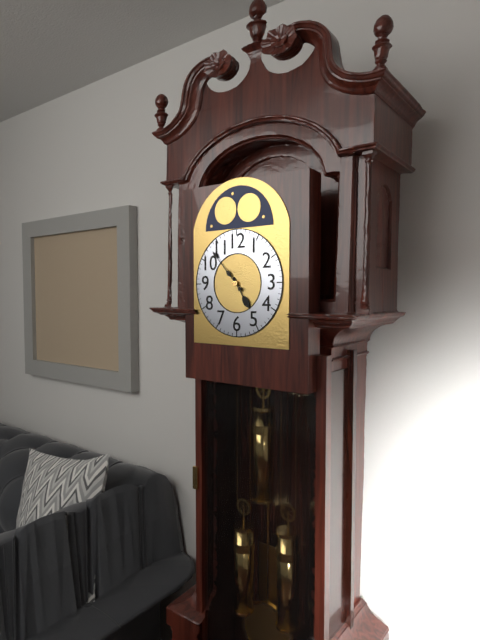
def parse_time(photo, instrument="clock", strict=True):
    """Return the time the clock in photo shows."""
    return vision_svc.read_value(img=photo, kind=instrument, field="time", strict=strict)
4:53
